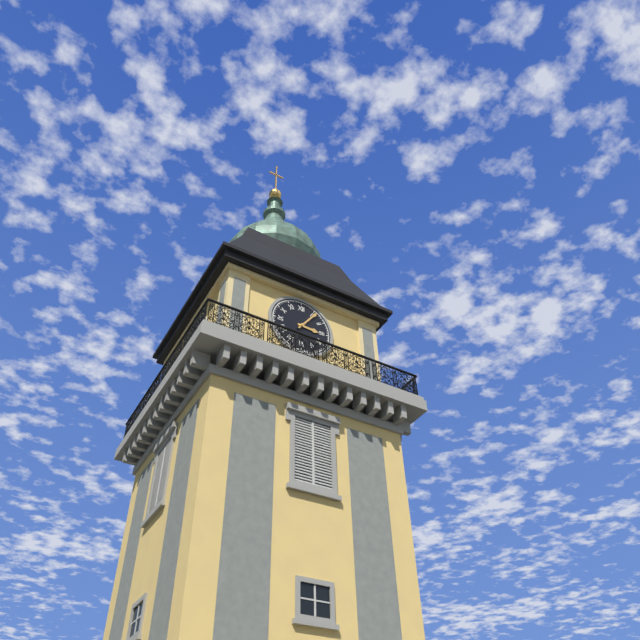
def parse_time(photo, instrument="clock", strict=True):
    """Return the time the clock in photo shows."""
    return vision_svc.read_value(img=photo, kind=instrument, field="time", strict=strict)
3:06
